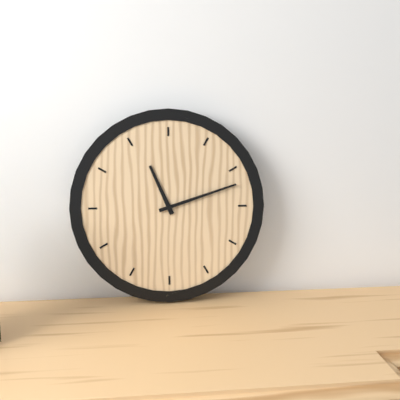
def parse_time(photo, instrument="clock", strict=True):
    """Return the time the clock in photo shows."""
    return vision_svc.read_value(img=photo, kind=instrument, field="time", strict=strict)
11:12
